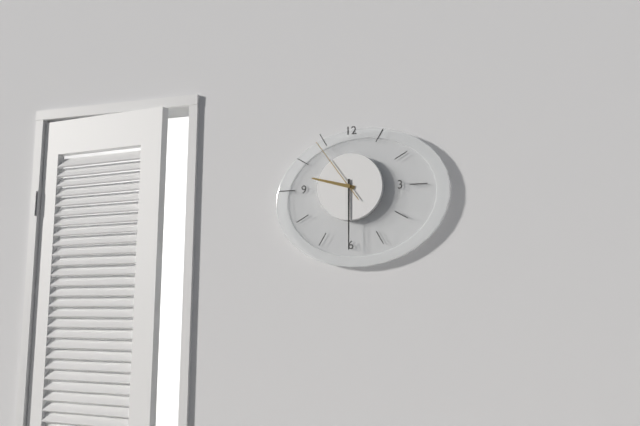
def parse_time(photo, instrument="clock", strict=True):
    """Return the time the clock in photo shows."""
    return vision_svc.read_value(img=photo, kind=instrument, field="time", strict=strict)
9:30:54
